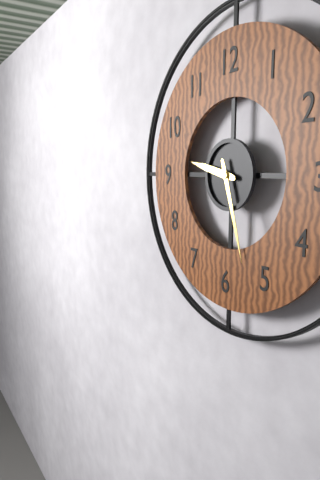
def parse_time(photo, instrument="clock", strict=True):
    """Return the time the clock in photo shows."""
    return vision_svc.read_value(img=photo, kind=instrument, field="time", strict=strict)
9:27
